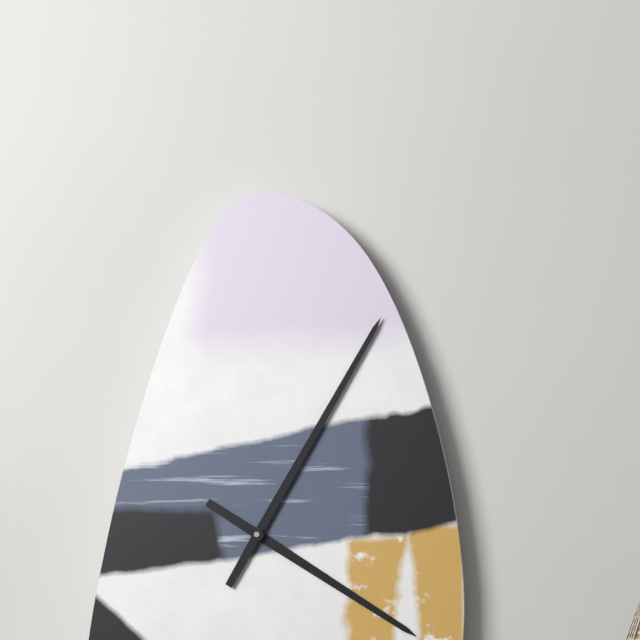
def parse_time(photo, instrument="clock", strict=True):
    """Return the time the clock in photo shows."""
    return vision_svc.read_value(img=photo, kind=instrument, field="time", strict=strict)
4:05
